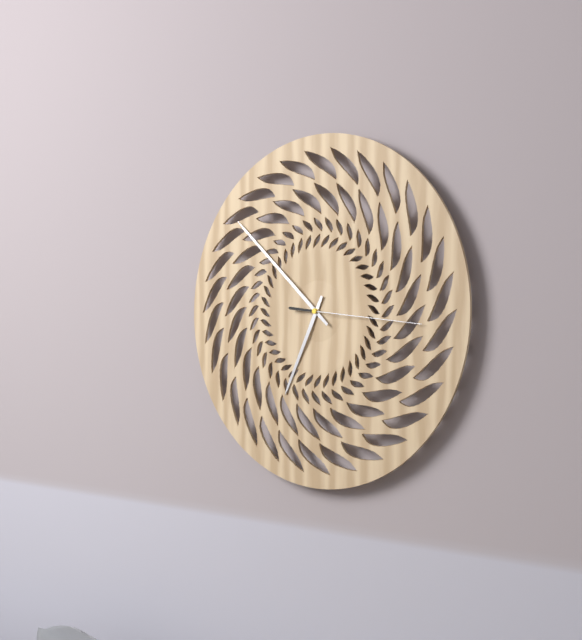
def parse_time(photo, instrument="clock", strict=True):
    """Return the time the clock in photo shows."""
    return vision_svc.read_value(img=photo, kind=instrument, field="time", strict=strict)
6:52:16
